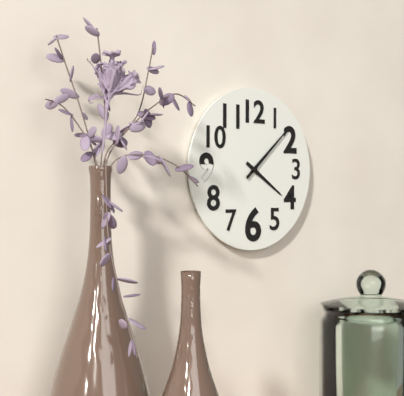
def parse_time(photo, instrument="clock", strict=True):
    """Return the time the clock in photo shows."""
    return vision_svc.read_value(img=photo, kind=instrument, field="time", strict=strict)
4:08
